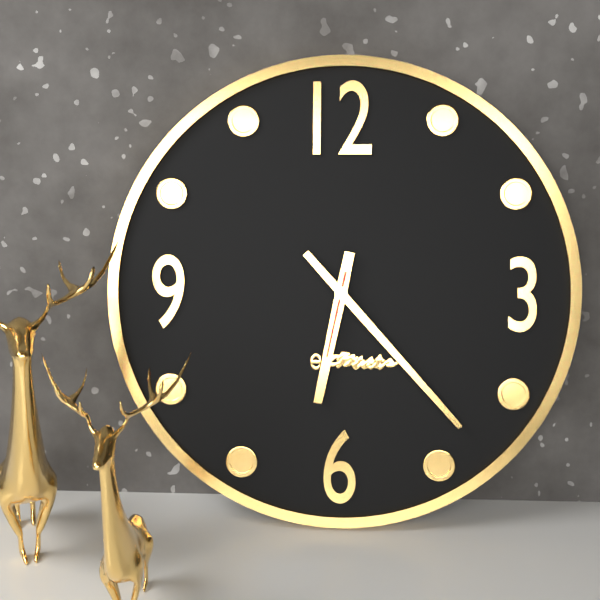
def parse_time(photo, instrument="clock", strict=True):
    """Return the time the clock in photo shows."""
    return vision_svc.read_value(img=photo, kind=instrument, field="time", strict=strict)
6:23:32
